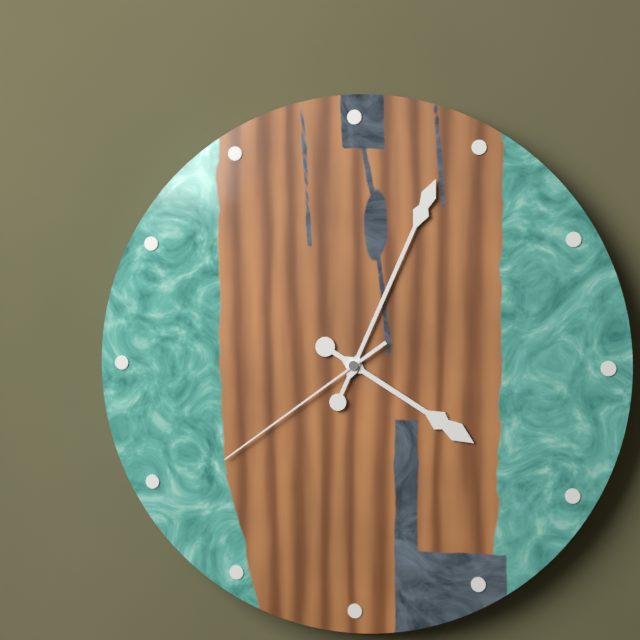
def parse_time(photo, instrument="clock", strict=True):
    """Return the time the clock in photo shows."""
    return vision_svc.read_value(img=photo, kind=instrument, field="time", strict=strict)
4:04:39
